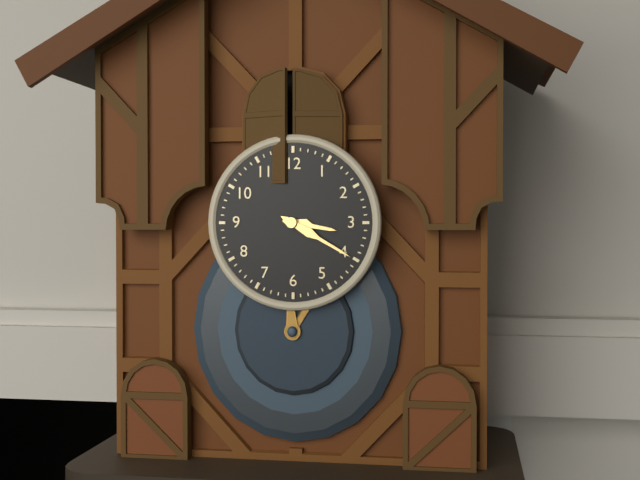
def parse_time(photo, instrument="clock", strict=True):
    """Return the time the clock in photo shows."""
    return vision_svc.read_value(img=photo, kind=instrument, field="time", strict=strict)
3:20
